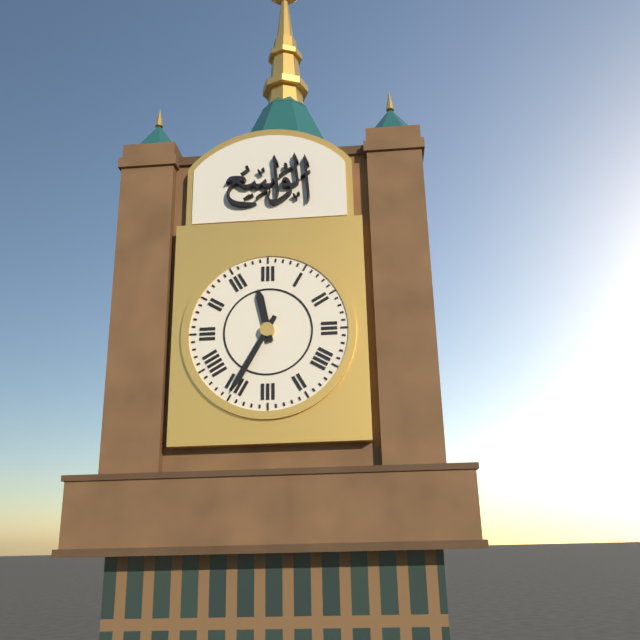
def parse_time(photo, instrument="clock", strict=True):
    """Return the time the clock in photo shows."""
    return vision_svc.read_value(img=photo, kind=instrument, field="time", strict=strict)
11:35
